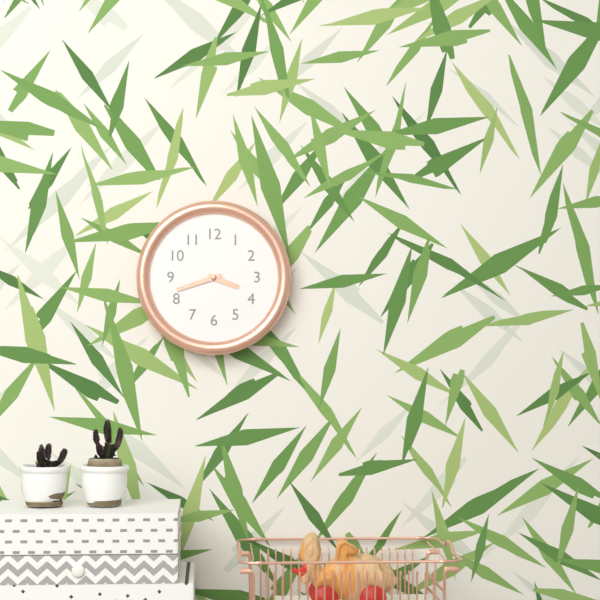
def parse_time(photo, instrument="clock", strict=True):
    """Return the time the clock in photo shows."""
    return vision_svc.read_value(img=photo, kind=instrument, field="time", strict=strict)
3:42
